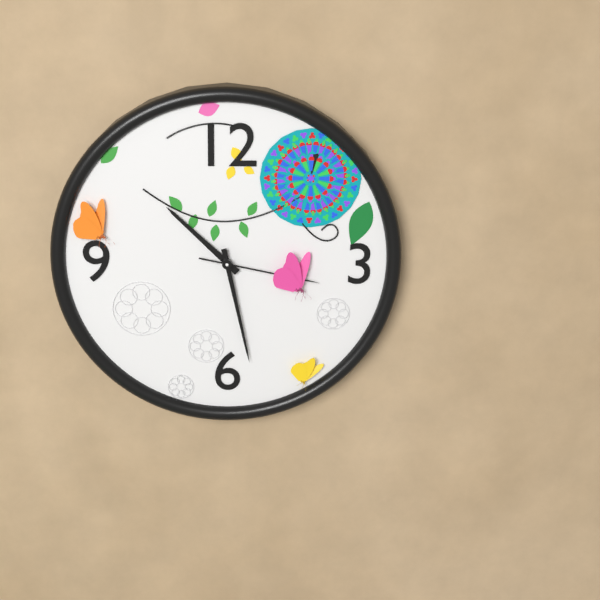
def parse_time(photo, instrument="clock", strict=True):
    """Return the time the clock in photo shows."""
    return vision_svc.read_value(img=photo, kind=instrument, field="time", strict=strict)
10:28:17
